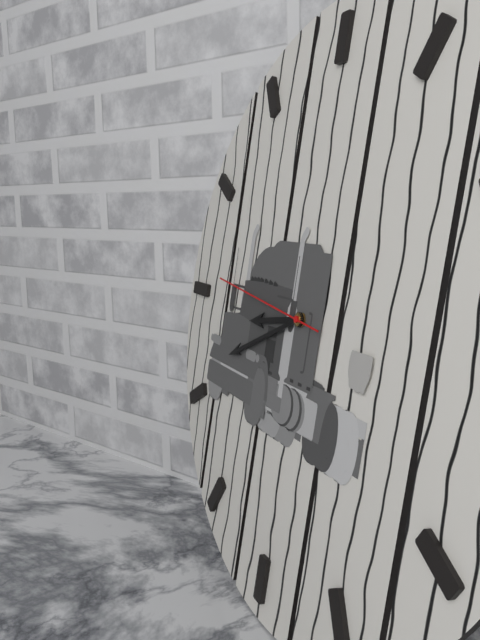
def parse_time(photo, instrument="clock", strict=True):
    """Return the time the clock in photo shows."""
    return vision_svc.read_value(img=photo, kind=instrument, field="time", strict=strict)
8:41:46
